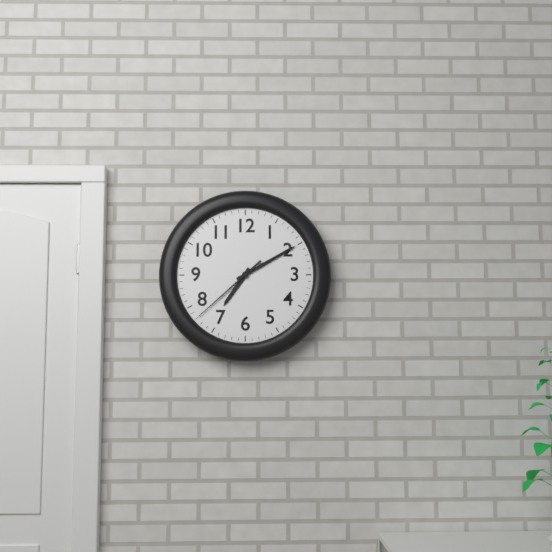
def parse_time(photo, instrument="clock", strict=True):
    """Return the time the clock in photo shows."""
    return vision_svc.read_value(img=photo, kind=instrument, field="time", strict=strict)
7:10:38
